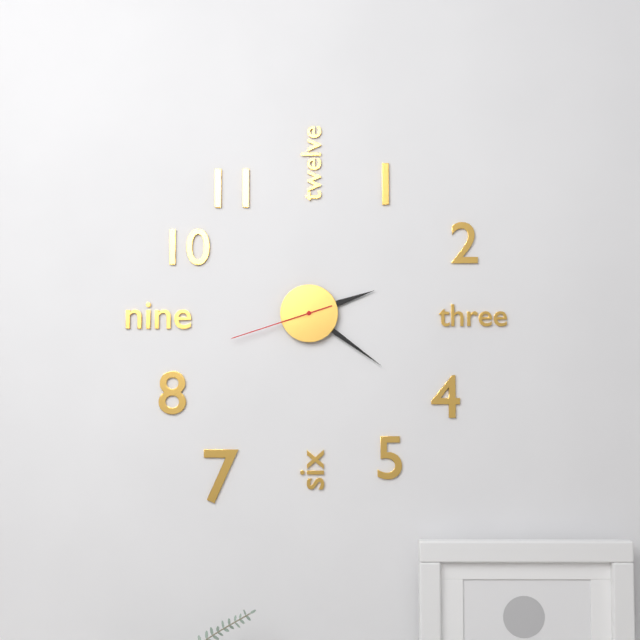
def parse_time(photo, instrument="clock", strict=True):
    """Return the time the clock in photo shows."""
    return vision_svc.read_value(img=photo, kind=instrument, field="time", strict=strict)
2:21:42
